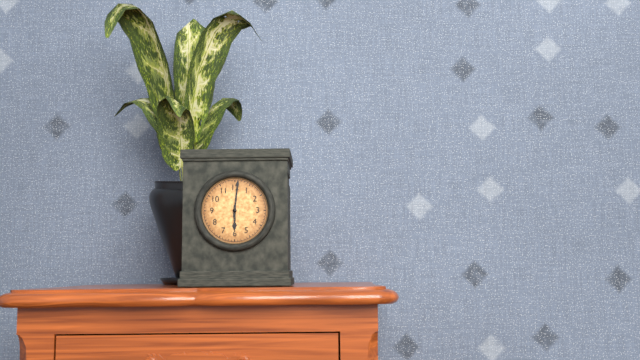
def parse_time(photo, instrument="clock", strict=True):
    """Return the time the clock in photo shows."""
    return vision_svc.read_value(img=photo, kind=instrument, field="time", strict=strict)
6:01
